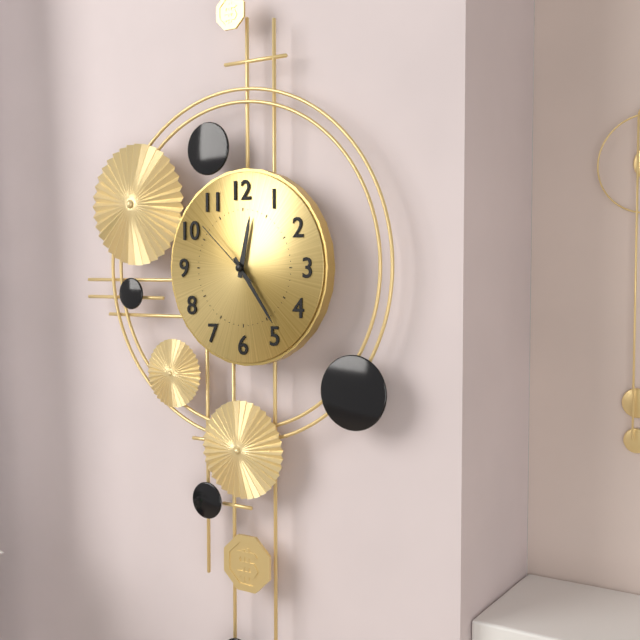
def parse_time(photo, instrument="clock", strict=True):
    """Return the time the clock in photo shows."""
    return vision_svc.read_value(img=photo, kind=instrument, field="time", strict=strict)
12:24:52
